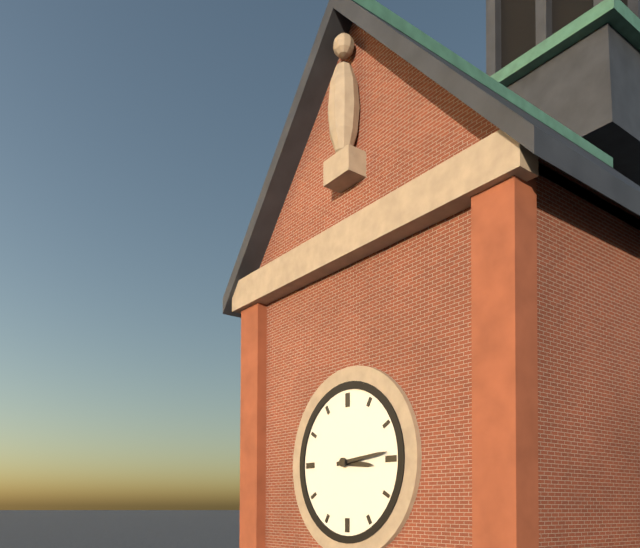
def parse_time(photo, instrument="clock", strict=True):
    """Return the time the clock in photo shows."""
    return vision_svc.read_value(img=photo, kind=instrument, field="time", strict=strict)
3:14
